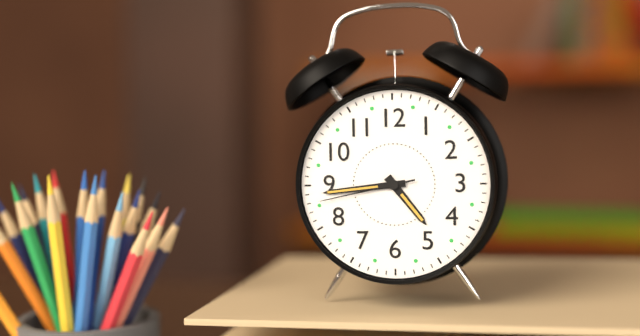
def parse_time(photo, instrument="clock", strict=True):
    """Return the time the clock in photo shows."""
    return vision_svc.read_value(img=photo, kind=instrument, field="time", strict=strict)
4:44:43
